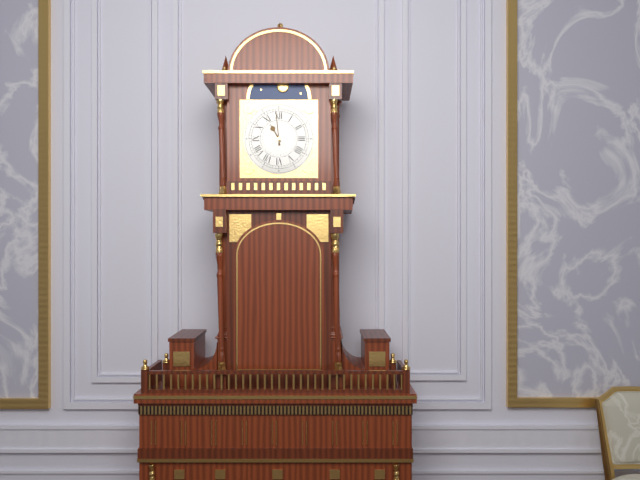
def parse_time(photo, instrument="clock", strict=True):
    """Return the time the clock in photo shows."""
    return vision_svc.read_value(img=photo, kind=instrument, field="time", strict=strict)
10:59
